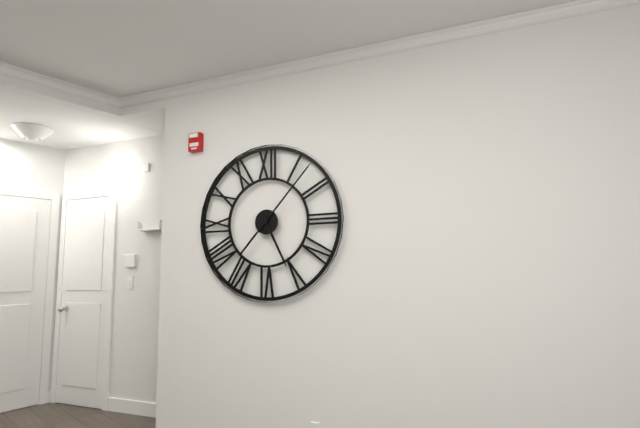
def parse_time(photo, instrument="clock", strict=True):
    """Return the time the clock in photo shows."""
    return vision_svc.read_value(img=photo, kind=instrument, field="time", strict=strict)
5:07
